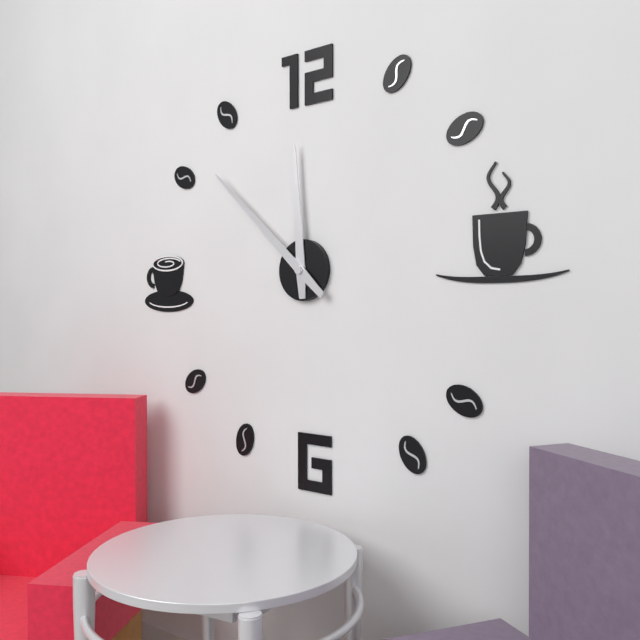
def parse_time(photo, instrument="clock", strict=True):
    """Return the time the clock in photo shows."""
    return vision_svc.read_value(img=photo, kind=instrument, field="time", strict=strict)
11:52
